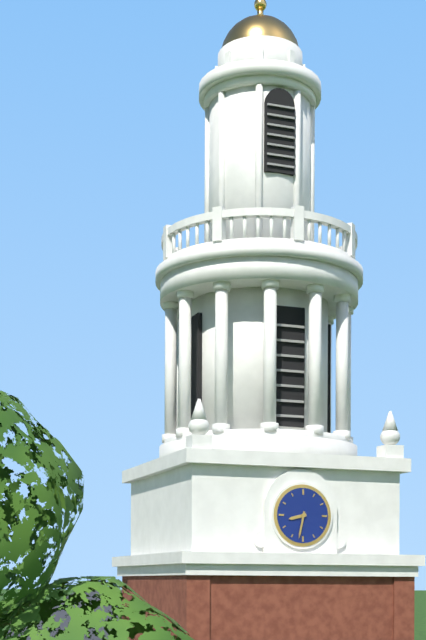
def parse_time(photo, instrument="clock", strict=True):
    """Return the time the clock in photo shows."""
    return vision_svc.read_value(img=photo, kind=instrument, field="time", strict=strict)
8:32
